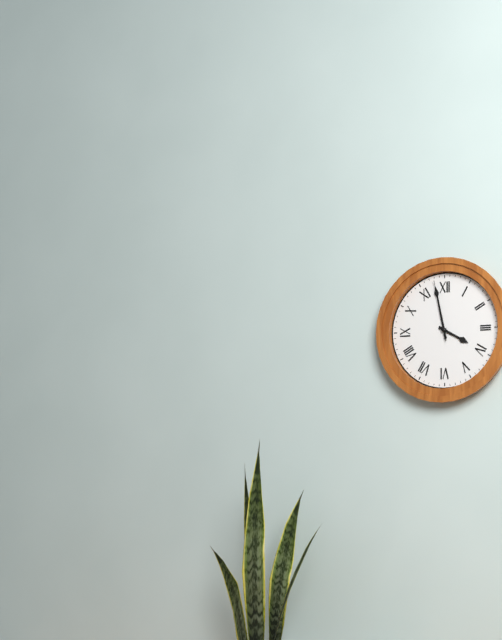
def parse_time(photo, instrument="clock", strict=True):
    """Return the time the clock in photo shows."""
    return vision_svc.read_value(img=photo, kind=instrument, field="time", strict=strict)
3:58:58
